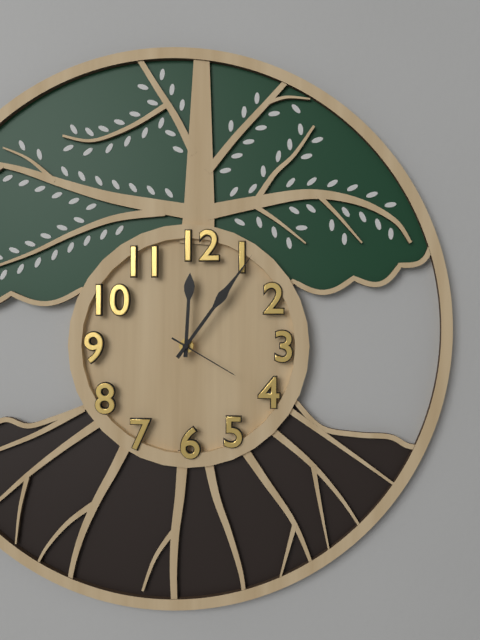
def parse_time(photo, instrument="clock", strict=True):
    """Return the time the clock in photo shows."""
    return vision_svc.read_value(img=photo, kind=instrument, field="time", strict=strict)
12:06:20
